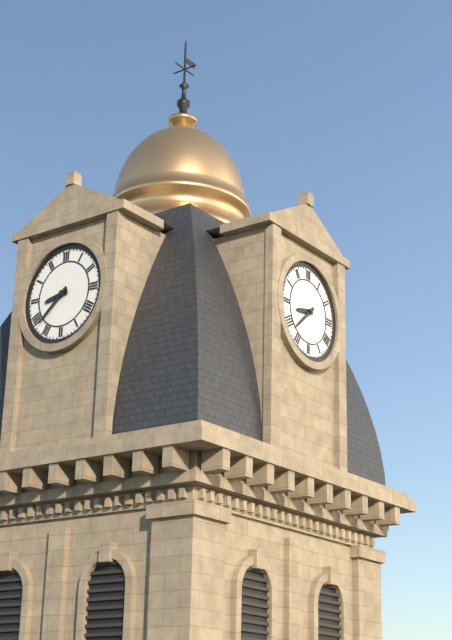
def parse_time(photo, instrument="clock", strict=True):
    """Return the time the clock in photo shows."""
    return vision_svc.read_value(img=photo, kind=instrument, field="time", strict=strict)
8:38
